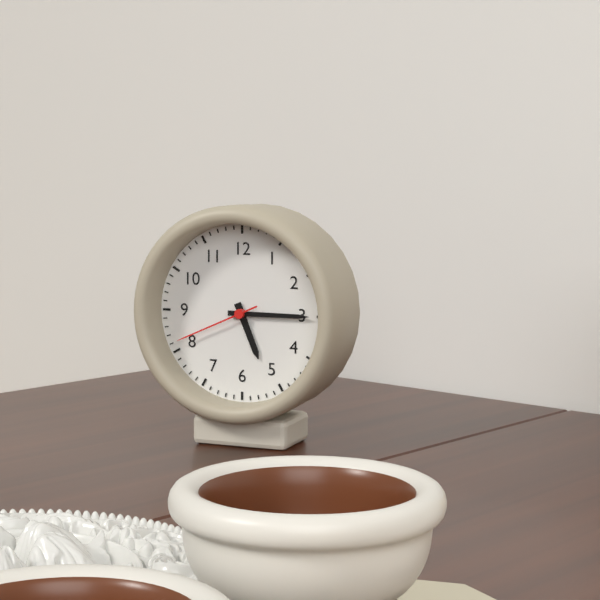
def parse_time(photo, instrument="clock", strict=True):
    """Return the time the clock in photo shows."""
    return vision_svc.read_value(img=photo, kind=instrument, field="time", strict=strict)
5:15:41
